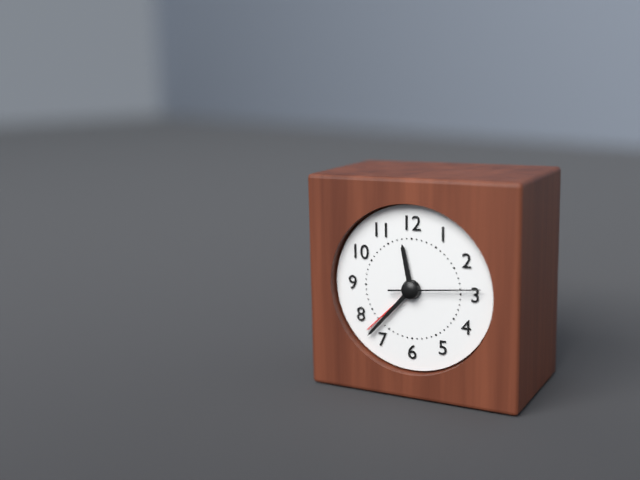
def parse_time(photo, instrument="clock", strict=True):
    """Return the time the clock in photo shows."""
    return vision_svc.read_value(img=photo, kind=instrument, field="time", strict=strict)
11:37:14
